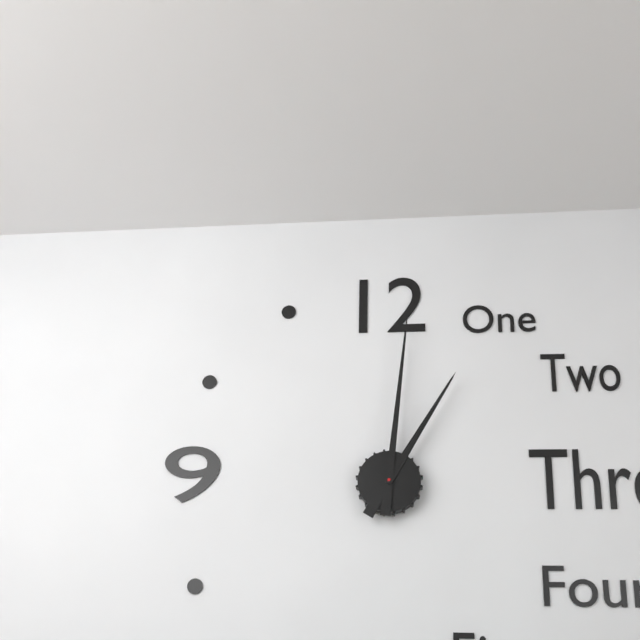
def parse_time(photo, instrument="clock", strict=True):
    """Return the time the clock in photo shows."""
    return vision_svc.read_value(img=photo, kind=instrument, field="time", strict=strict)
1:01
